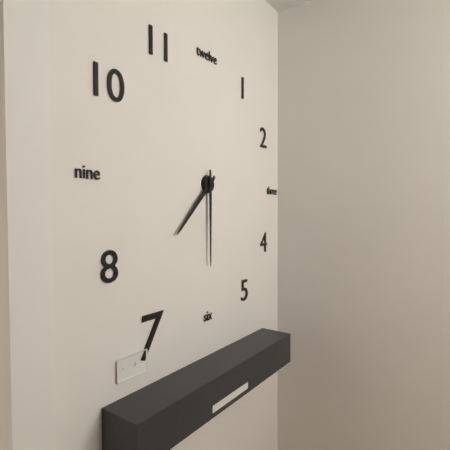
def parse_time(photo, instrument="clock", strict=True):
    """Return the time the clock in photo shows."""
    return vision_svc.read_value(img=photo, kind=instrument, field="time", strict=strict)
7:30
